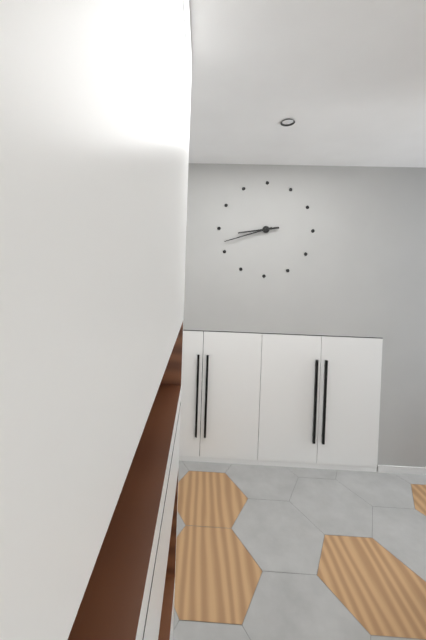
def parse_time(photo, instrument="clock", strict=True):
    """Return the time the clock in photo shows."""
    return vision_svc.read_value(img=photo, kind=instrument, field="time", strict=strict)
8:42
